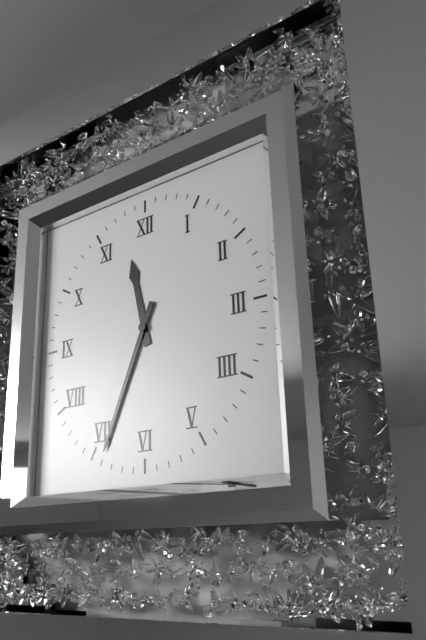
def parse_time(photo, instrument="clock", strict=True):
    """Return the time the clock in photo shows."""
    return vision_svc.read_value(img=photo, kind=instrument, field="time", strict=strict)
11:34
